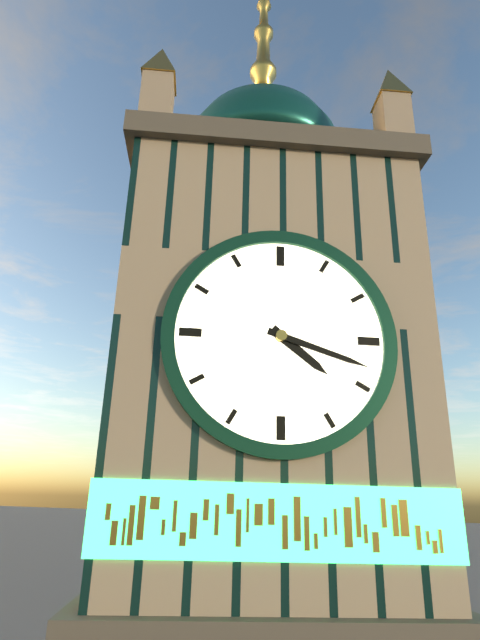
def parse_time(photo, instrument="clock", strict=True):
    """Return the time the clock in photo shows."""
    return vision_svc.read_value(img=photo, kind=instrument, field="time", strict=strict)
4:18
